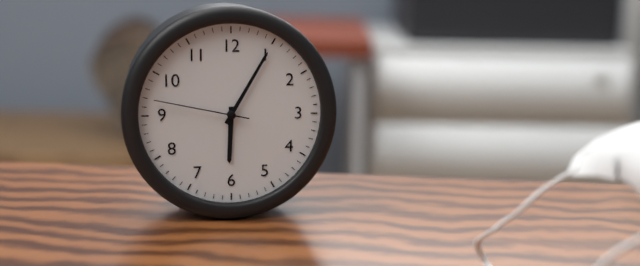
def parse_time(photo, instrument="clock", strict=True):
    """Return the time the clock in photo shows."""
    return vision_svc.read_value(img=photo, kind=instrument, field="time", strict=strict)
6:05:47
